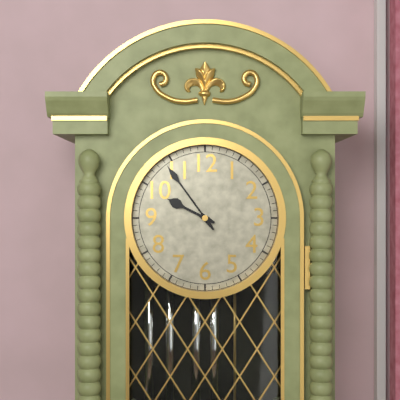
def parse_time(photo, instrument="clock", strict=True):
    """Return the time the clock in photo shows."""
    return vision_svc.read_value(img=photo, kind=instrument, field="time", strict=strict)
9:54
